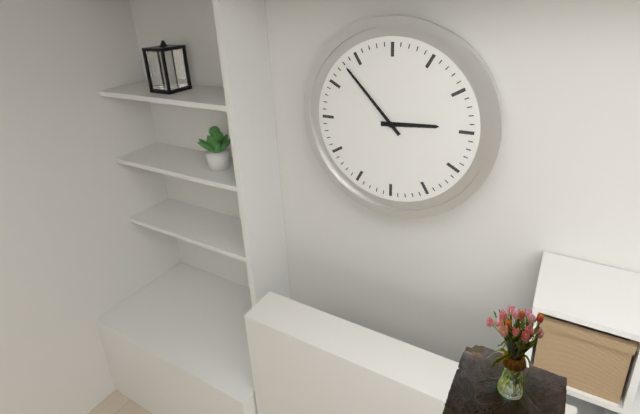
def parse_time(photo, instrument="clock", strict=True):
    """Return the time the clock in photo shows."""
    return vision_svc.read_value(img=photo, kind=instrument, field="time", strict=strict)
2:53
